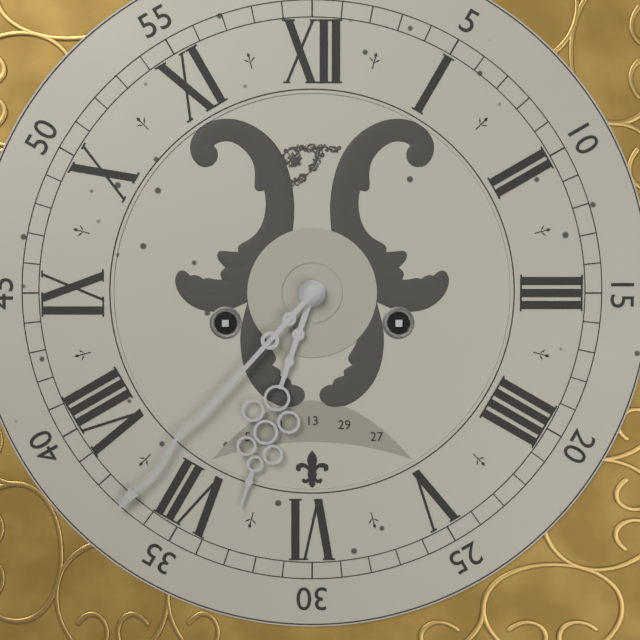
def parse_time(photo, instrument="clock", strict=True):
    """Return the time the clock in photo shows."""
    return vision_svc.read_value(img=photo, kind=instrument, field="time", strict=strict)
6:37
